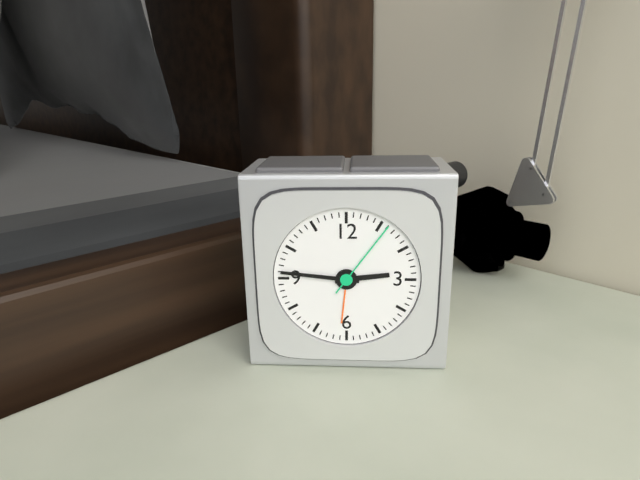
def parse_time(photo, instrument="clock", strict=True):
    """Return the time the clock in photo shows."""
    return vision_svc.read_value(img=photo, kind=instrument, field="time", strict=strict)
2:46:06
